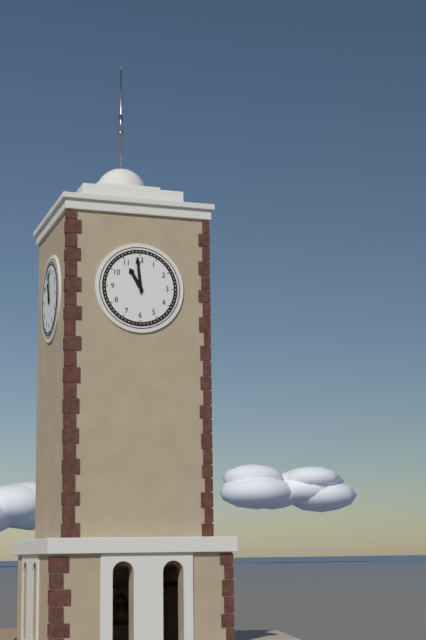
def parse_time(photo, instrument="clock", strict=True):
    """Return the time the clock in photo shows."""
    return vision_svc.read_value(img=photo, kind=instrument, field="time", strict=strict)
10:59
